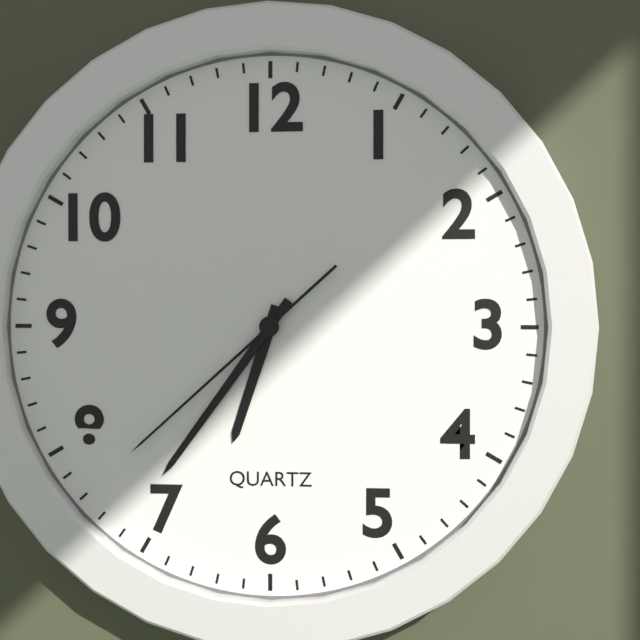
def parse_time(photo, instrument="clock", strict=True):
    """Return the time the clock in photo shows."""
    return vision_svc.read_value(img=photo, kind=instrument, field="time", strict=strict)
6:36:38
